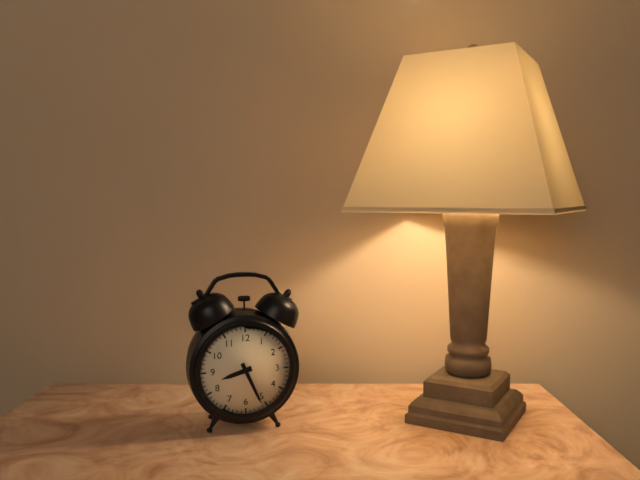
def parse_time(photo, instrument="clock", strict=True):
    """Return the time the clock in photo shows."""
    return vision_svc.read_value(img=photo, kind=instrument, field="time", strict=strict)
8:26
